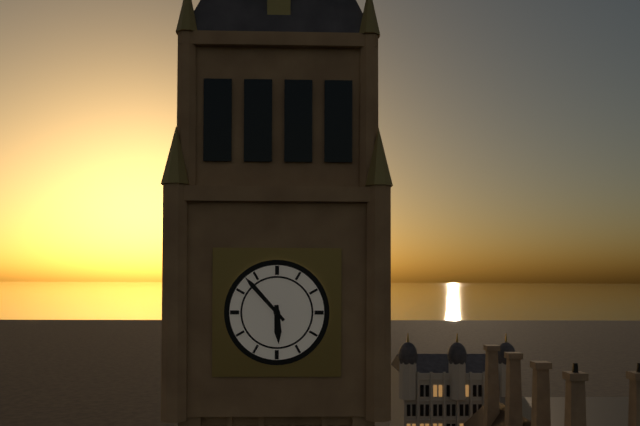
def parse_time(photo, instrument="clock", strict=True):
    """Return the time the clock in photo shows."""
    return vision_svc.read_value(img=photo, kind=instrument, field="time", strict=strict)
5:53
